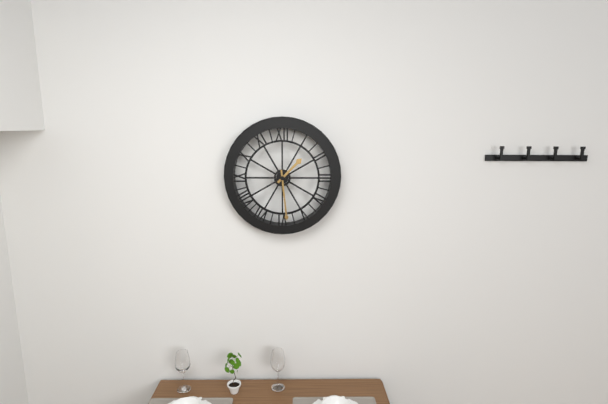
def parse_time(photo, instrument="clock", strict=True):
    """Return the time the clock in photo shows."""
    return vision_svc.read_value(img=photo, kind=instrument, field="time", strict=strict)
1:29
